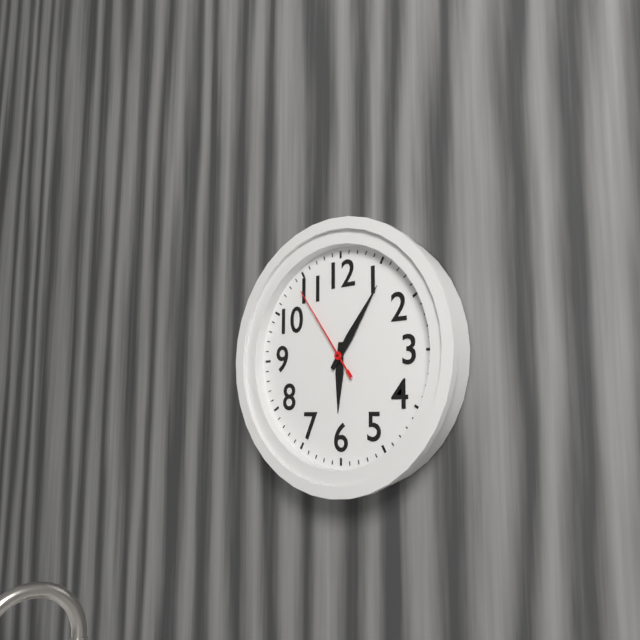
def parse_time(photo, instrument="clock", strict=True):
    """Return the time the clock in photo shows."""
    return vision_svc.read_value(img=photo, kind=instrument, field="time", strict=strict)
6:06:54
